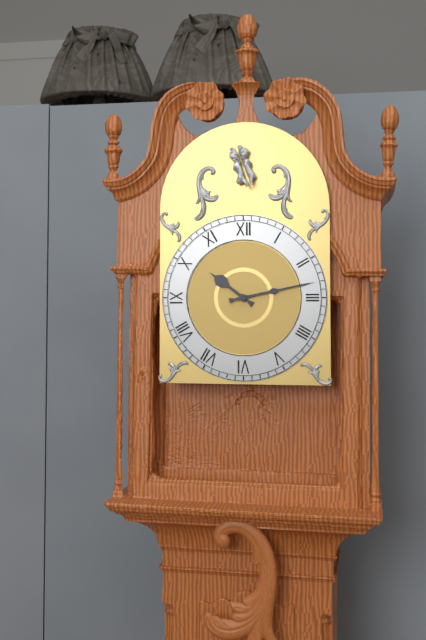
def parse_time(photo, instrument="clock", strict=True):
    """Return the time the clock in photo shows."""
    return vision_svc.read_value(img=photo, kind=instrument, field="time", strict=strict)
10:13
